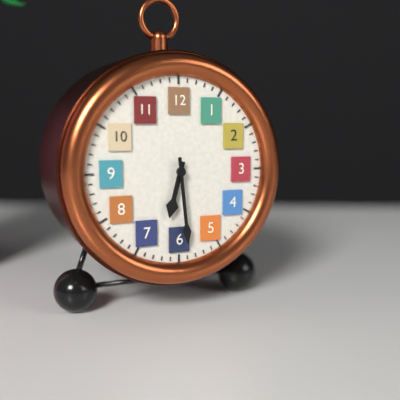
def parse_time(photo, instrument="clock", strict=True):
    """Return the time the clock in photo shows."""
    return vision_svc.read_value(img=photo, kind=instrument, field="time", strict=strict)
6:29
